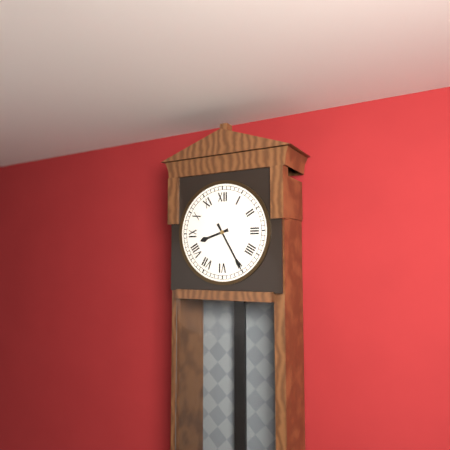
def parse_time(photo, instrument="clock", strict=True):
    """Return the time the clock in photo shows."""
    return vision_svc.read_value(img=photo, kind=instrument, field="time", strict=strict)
8:25
